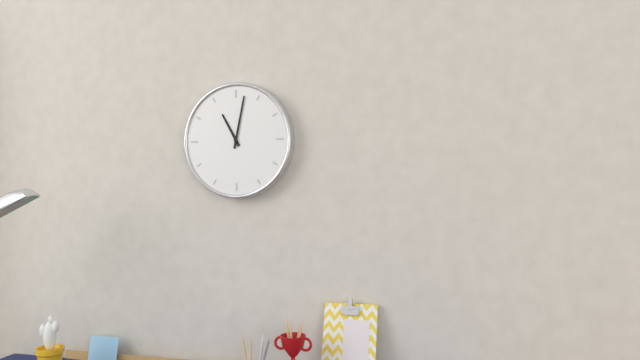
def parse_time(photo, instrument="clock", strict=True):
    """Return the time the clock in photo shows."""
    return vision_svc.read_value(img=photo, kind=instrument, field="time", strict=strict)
11:02
